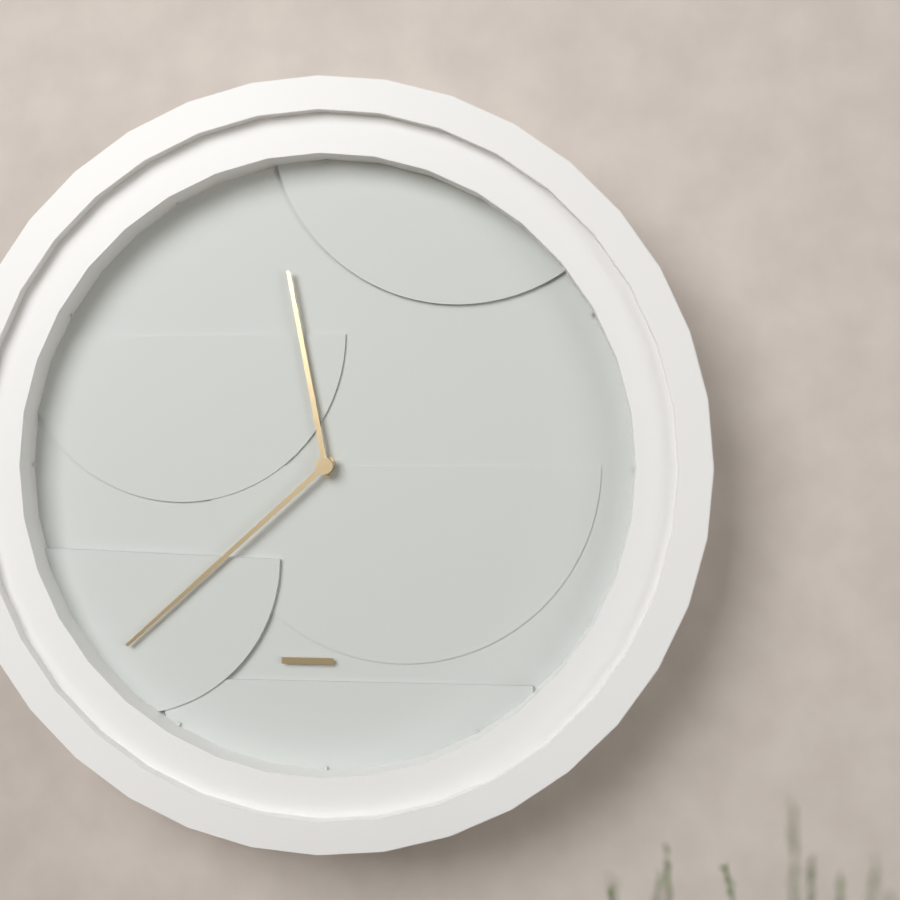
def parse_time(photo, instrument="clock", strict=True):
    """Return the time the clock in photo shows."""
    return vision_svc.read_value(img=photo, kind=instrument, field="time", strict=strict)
11:38
